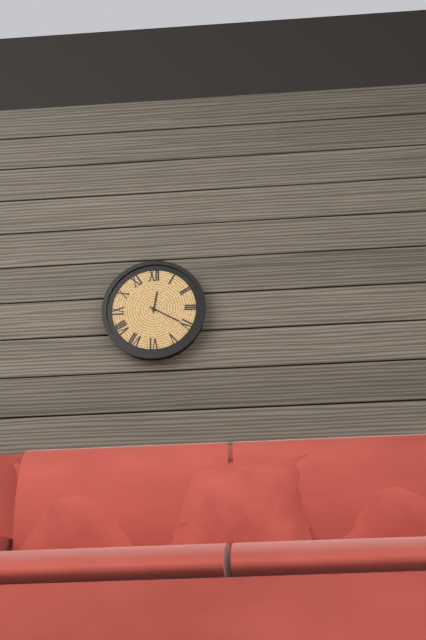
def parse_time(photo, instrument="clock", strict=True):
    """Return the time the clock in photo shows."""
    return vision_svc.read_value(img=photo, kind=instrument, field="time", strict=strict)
12:20
